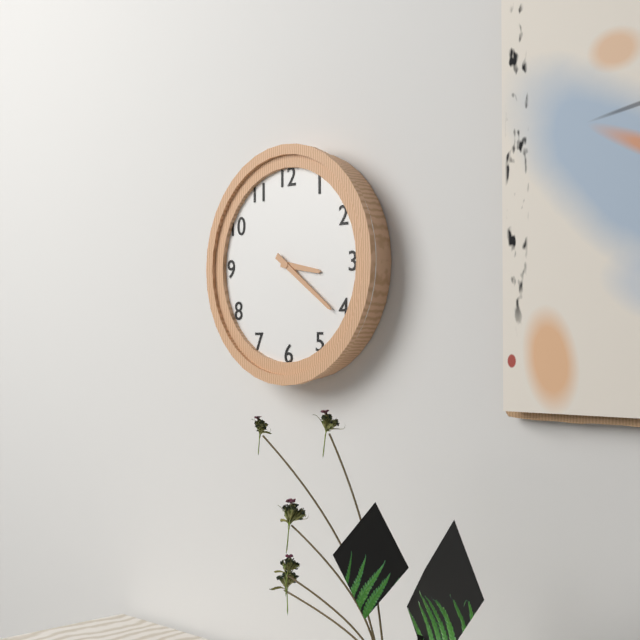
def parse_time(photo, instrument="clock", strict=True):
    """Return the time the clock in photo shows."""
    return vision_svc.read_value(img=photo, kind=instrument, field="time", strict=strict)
3:21
